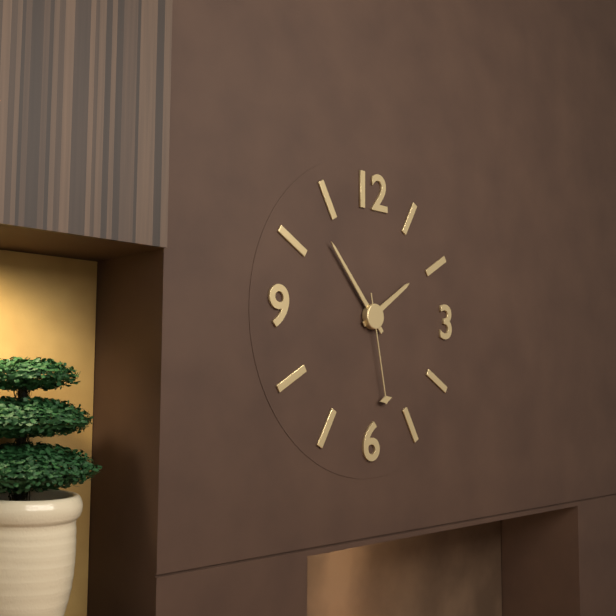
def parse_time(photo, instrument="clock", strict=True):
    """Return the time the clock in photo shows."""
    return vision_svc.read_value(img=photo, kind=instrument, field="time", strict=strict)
1:53:28
